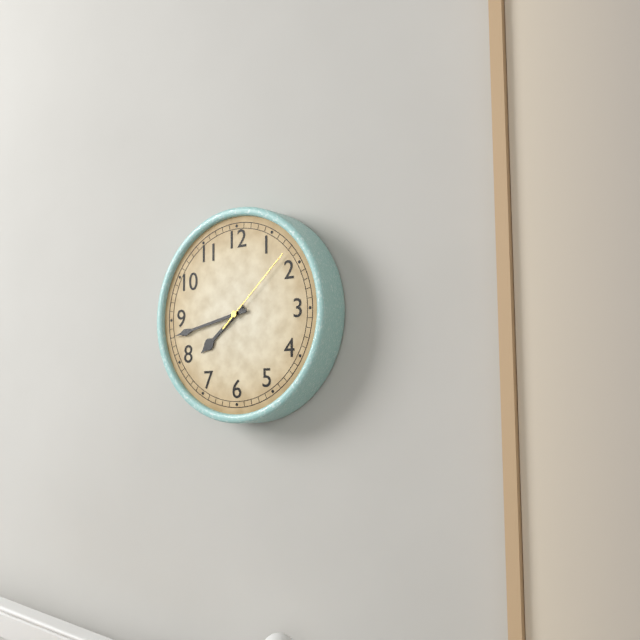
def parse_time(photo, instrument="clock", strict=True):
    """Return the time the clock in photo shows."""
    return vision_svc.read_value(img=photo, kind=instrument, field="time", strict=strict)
7:43:08
